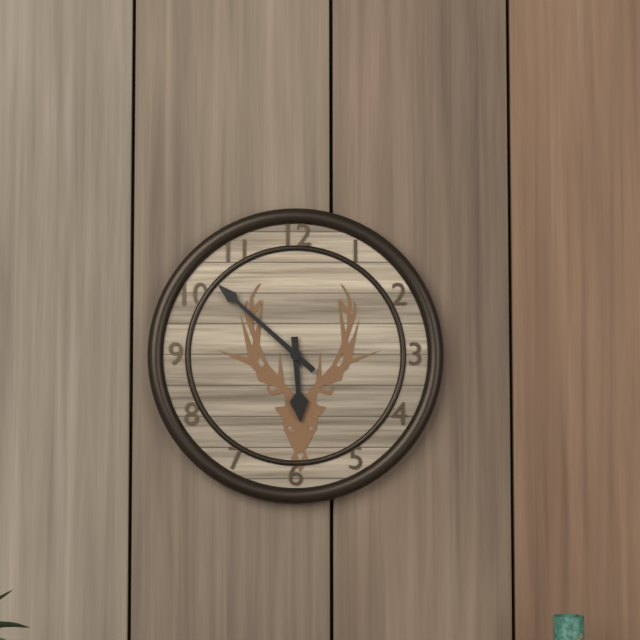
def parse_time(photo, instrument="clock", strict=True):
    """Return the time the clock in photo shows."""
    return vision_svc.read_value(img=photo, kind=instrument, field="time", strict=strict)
5:52
